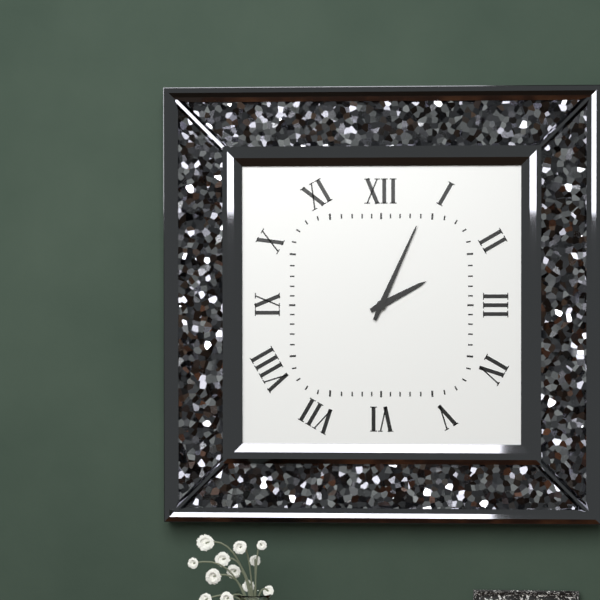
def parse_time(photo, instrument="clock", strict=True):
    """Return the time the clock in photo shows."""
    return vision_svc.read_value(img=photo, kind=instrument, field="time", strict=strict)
2:04
